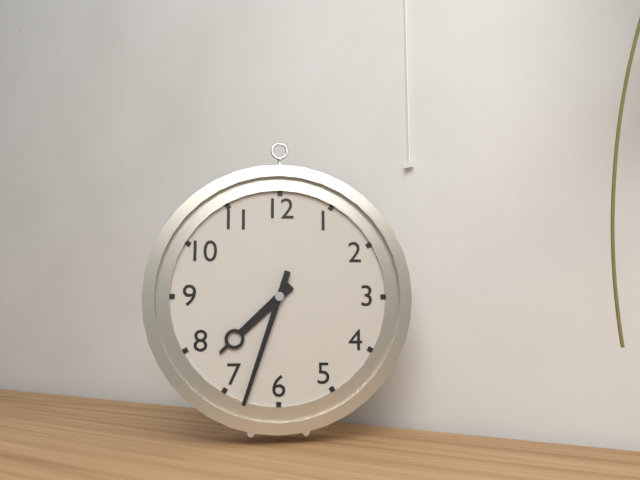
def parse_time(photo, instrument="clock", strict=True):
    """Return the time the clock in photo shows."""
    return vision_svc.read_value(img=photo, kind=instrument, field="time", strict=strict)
7:33
